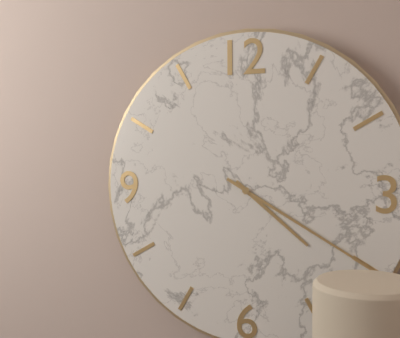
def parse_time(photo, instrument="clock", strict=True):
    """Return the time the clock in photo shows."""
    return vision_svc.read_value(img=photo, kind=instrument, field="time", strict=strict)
4:20
